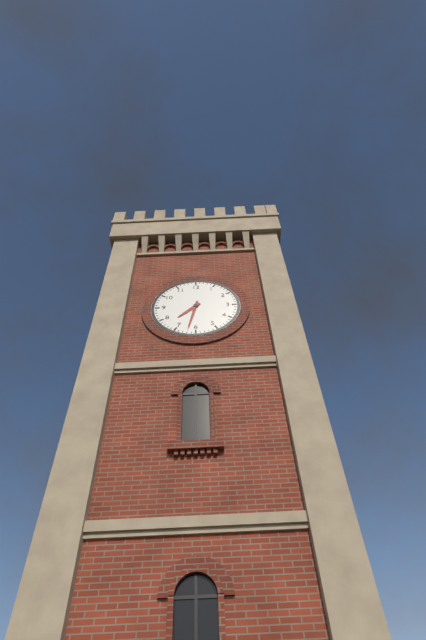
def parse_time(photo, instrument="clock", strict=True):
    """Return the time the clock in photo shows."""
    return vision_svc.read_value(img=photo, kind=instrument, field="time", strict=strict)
7:32
